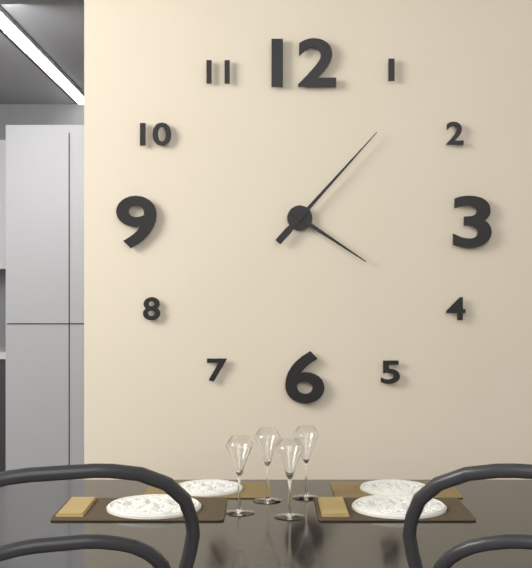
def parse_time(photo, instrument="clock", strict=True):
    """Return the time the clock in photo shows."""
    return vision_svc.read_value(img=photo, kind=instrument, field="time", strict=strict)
4:07
